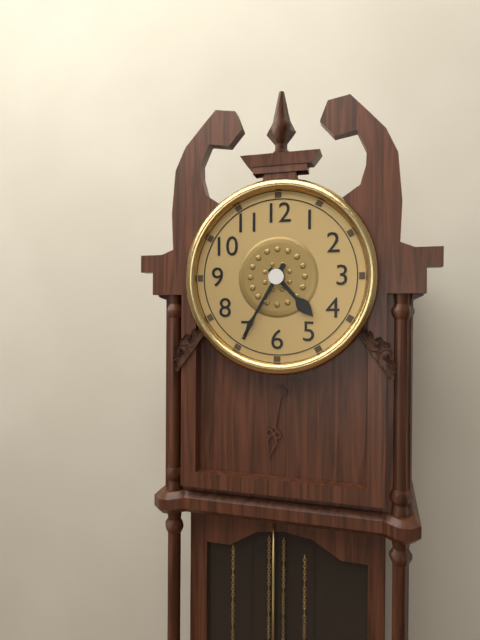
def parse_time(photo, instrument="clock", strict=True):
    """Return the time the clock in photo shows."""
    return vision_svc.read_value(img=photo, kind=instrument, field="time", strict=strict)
4:35
